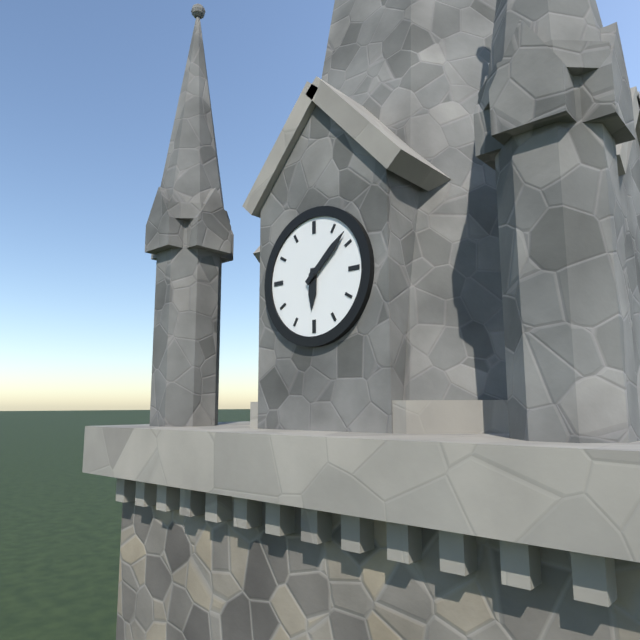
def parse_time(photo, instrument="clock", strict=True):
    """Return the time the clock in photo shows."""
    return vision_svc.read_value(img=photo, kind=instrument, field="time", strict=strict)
6:08
